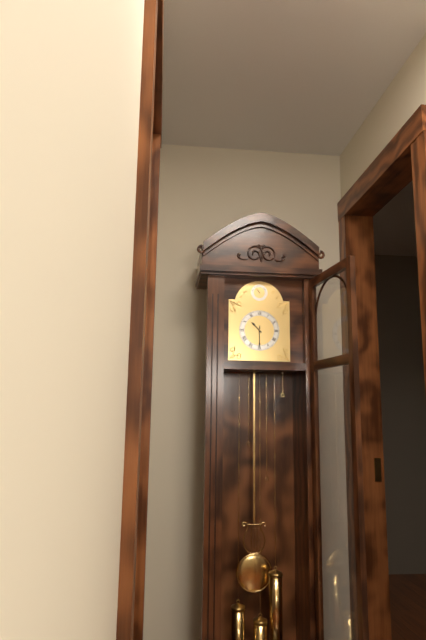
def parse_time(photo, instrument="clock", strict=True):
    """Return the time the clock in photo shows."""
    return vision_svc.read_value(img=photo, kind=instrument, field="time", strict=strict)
10:30
